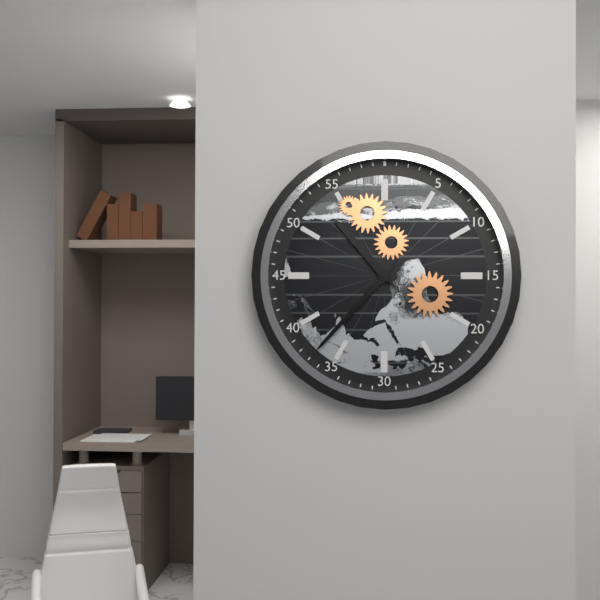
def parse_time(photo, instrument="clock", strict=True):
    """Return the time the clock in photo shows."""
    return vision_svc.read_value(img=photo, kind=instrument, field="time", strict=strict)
10:37
